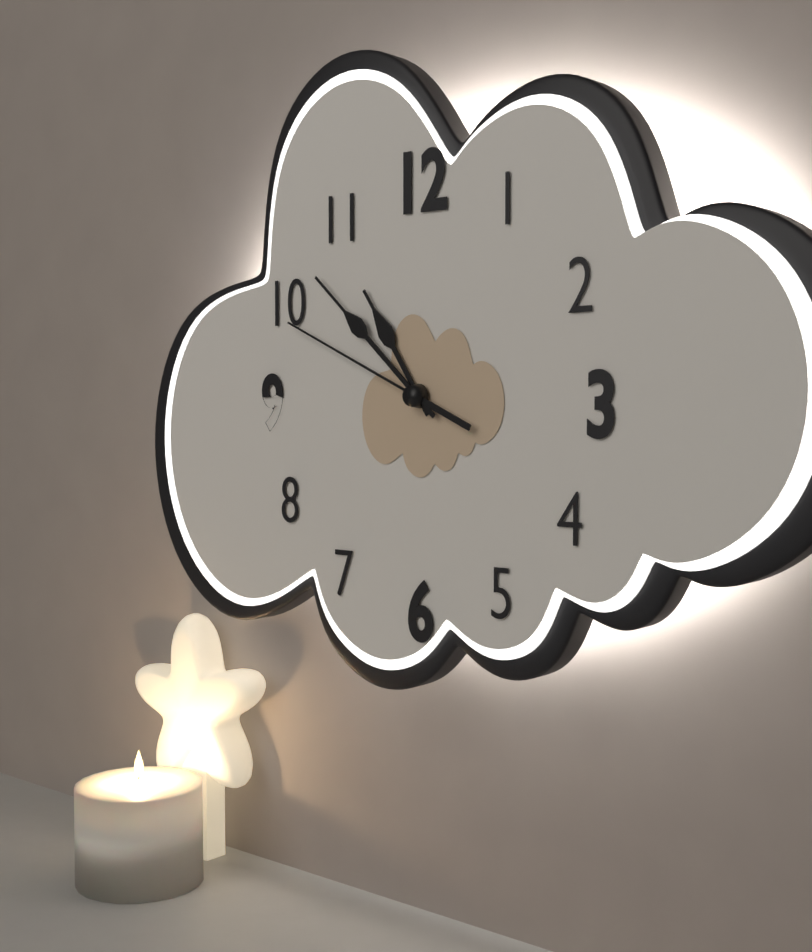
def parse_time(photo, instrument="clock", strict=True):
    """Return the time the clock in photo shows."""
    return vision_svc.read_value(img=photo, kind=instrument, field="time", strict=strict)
10:52:49
